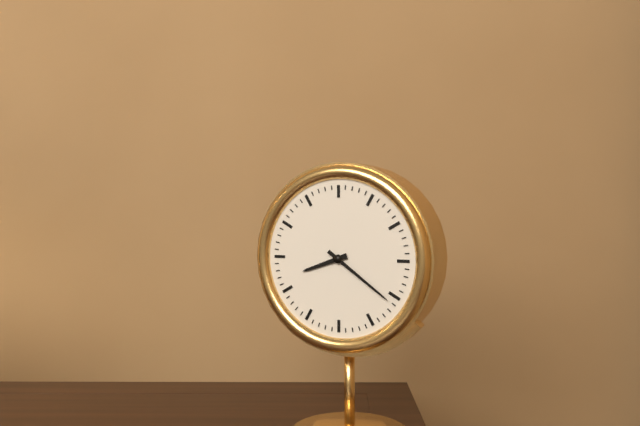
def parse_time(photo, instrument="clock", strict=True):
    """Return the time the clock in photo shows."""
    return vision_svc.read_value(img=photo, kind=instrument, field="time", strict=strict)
8:21
